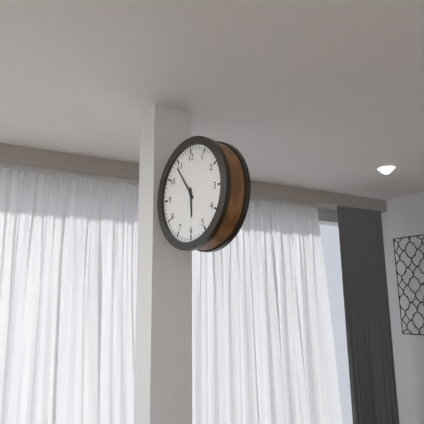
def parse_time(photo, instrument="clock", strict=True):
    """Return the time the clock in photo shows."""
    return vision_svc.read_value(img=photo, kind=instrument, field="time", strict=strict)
5:54
